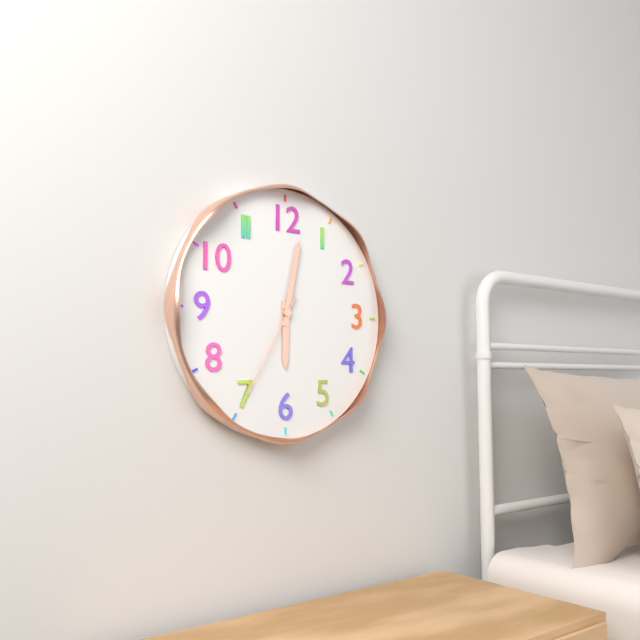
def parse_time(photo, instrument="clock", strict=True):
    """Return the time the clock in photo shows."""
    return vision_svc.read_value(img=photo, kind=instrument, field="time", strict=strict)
6:02:35
